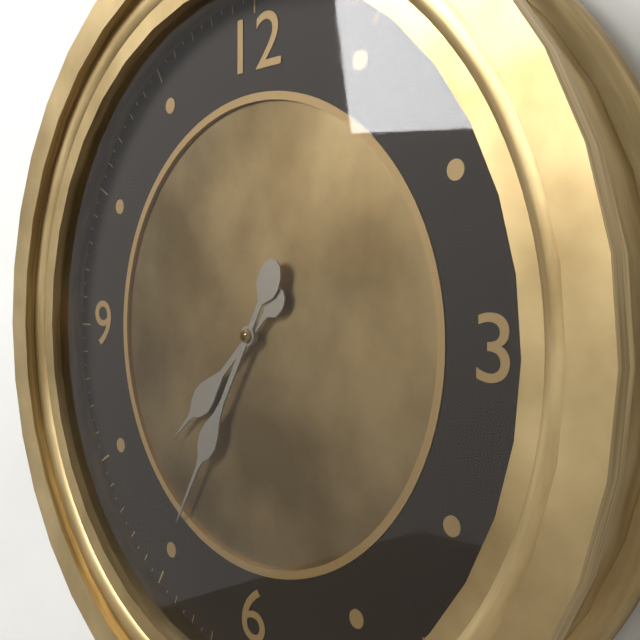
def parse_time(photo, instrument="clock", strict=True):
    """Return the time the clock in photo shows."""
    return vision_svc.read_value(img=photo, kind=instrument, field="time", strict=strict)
7:35
